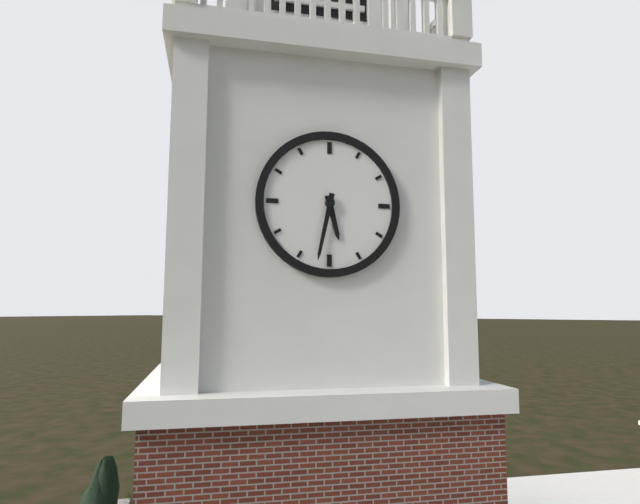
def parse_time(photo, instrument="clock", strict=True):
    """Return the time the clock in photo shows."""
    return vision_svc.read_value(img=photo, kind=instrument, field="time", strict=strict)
5:32
